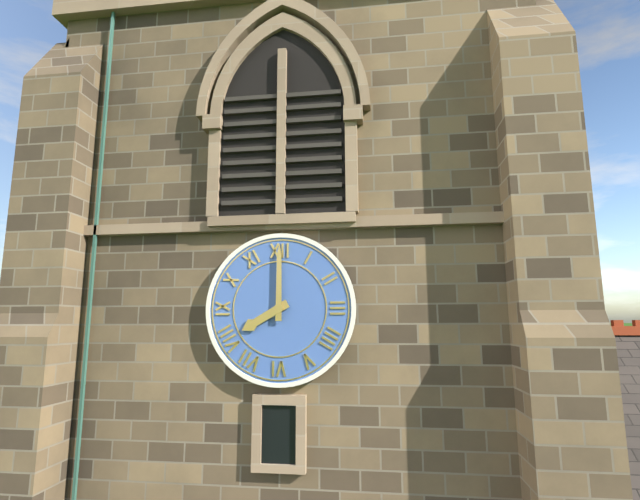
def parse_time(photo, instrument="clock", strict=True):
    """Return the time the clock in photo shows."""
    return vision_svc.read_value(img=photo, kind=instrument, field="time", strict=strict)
8:00
